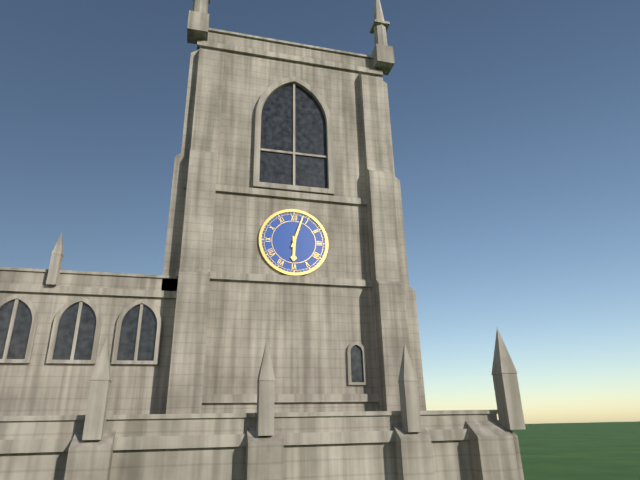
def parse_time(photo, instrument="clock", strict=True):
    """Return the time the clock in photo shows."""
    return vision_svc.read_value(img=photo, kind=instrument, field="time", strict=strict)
6:03
